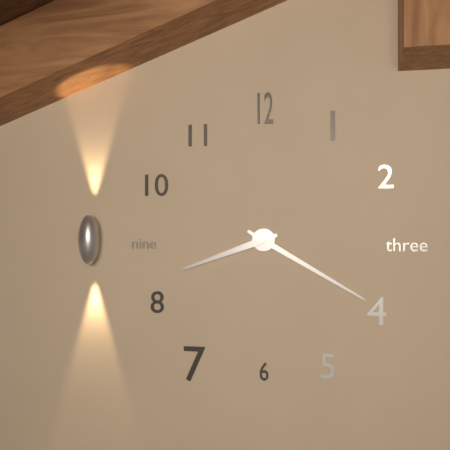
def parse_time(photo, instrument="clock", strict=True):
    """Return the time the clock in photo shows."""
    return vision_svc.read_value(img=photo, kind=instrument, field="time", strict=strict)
8:20
